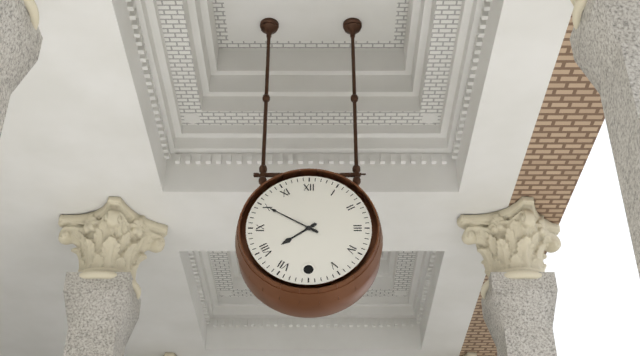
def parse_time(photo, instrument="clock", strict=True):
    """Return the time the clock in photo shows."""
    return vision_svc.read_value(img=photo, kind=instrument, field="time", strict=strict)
7:50
